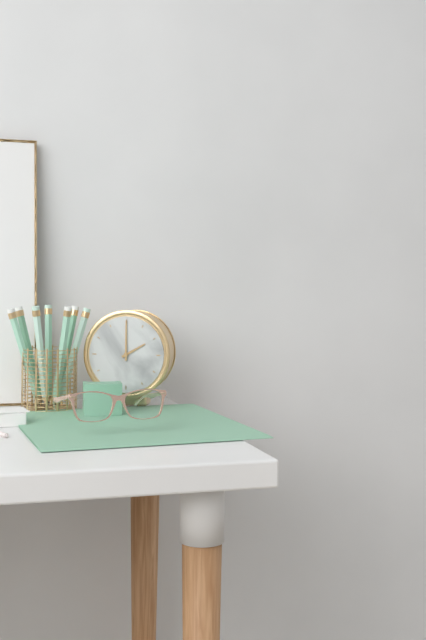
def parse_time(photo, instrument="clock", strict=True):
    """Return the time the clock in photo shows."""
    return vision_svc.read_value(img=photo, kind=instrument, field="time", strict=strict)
2:00
